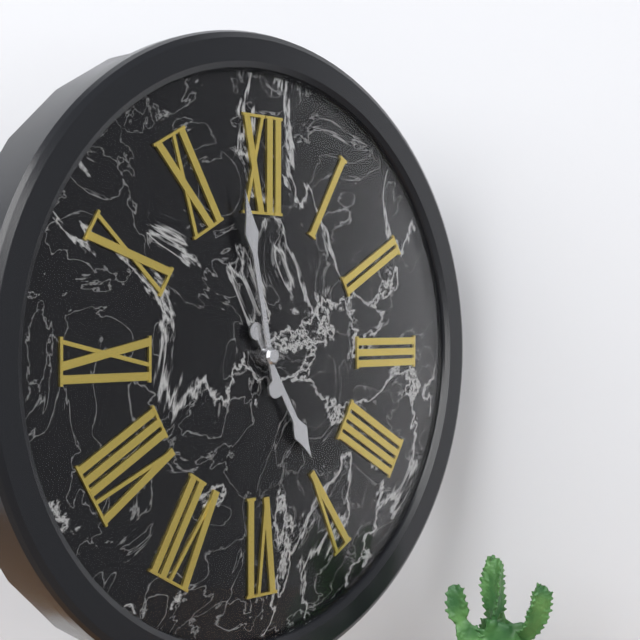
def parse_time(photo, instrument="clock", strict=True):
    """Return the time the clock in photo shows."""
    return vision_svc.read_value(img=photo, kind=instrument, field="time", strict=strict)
4:58
